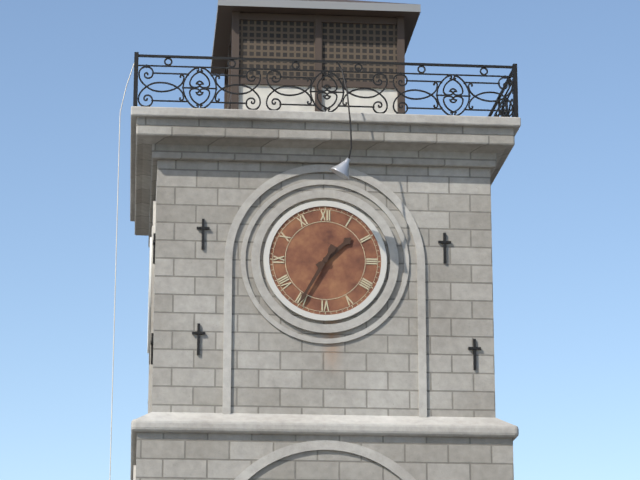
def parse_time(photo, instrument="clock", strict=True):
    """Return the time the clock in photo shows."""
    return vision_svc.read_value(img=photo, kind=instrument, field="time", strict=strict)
1:35
